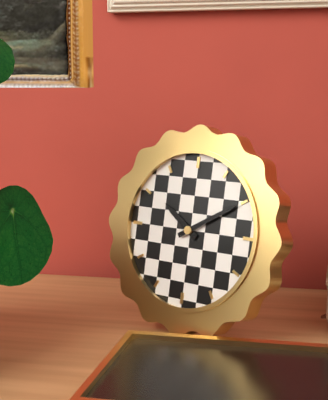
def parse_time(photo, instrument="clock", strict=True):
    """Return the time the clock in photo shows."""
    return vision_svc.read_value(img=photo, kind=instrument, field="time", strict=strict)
10:10
